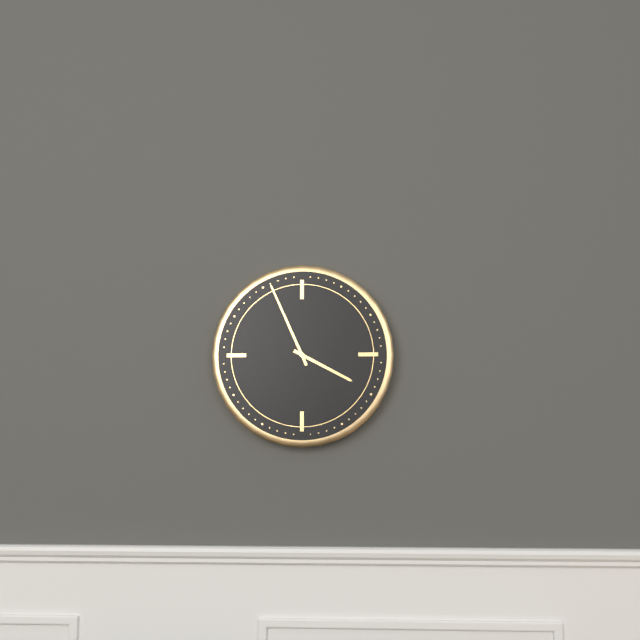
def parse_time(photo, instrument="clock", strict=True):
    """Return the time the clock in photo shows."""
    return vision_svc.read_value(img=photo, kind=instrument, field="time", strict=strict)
3:56
